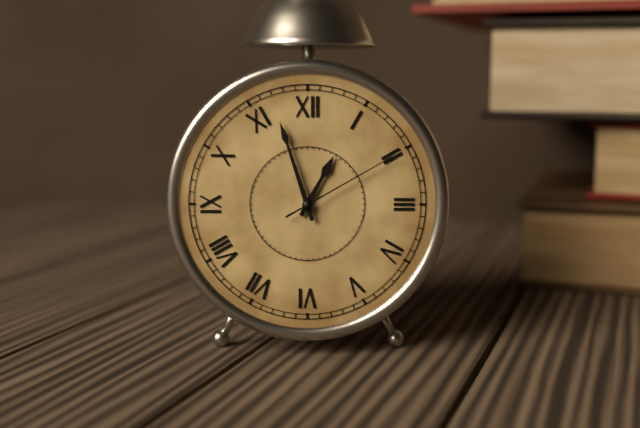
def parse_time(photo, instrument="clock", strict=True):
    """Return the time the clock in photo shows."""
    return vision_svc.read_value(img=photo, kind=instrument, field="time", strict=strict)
12:57:10
